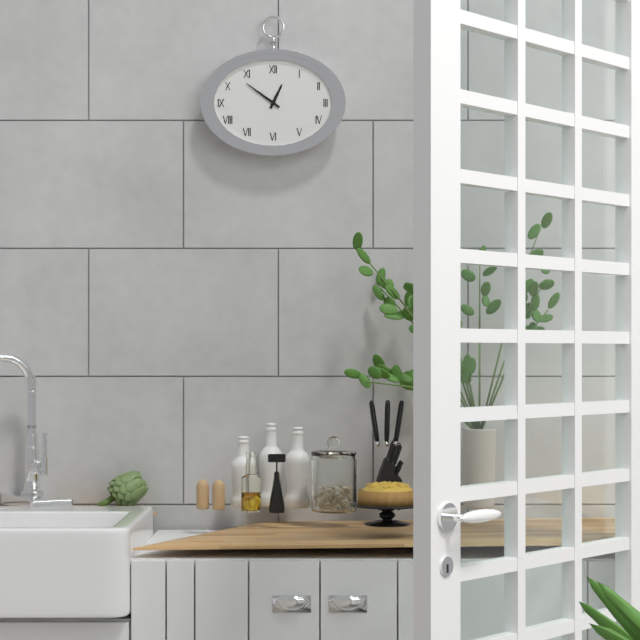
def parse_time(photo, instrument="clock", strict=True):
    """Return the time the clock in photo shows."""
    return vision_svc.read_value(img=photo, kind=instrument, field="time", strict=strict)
12:51
